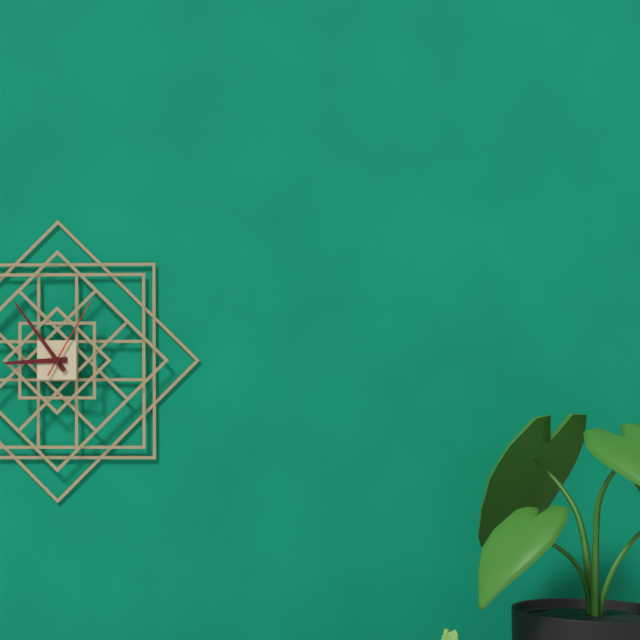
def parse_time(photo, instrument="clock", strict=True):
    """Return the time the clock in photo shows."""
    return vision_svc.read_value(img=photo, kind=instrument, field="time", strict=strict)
8:54:05
